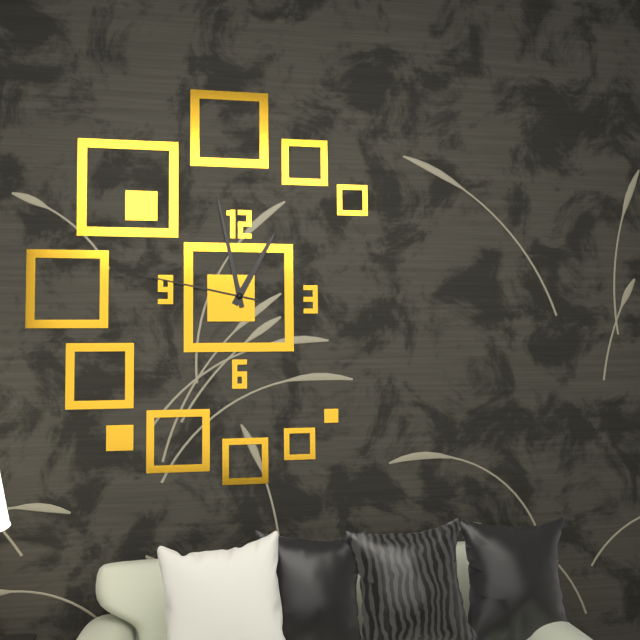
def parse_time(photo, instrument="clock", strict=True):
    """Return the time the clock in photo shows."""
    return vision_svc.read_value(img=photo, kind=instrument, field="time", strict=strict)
12:58:47
